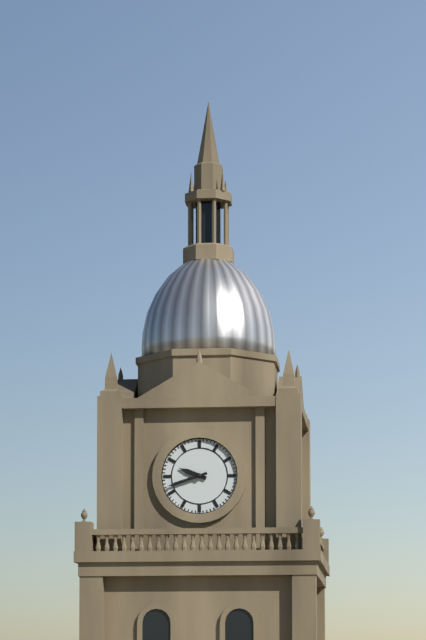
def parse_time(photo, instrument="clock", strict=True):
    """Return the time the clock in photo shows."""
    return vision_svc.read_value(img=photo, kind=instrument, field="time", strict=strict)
9:42
